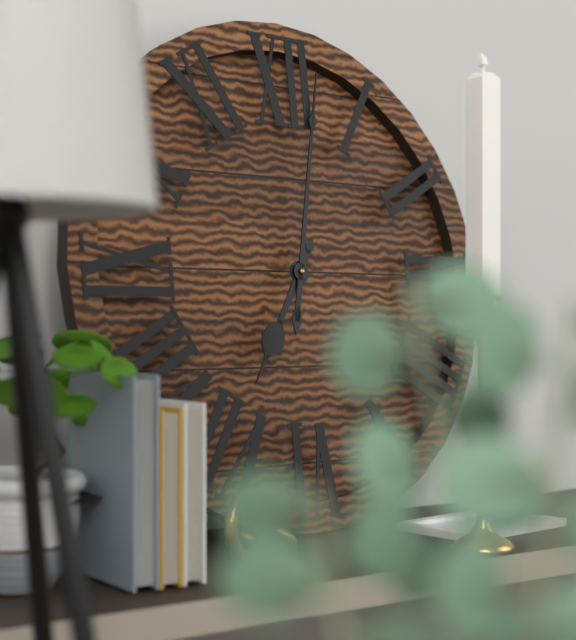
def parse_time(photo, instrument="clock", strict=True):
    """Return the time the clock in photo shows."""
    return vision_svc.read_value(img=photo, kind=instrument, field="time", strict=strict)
7:02
